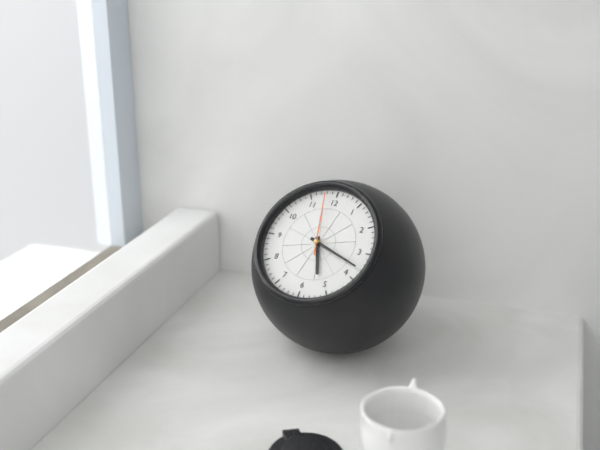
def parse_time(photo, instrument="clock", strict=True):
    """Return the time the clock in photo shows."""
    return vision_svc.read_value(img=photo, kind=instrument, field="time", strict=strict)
5:18:58
